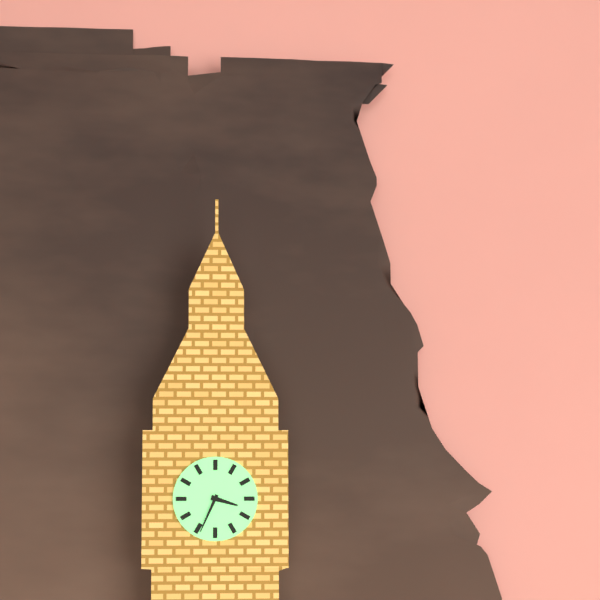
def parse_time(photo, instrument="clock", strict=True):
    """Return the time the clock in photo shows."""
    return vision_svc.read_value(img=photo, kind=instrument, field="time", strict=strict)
3:34
